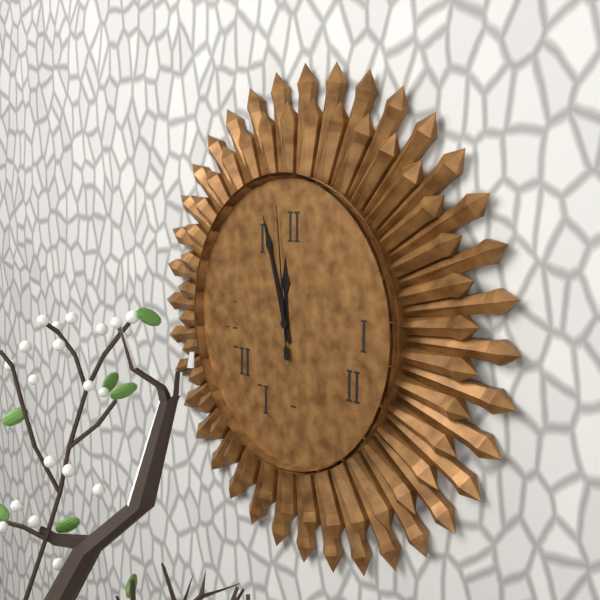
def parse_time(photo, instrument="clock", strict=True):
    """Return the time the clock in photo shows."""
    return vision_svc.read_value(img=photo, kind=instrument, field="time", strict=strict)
11:57:59
